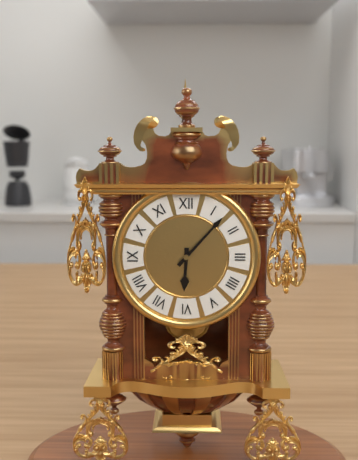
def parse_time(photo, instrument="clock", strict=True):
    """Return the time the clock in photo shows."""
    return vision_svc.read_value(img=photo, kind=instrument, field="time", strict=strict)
6:07
